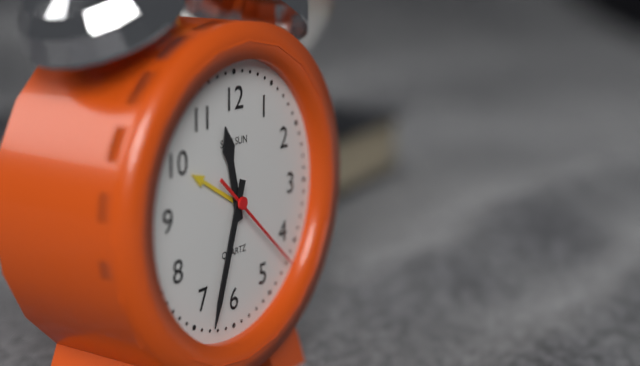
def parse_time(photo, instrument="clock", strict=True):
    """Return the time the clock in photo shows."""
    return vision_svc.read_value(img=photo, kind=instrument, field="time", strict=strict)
11:33:22
